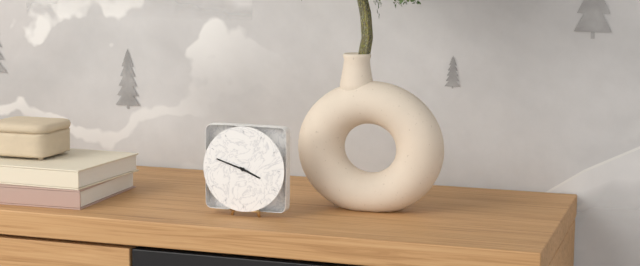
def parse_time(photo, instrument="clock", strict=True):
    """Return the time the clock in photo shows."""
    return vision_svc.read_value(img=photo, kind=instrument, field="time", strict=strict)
3:48
